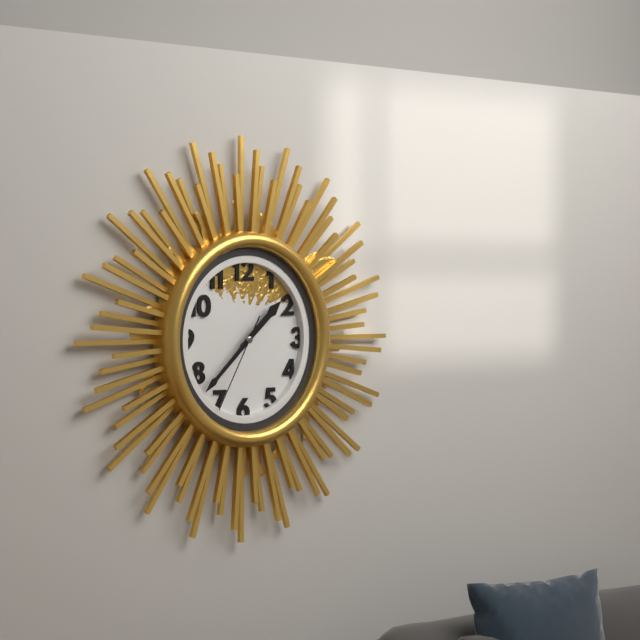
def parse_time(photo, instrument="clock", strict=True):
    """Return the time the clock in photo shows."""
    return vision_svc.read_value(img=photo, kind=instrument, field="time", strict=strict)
1:38:35
